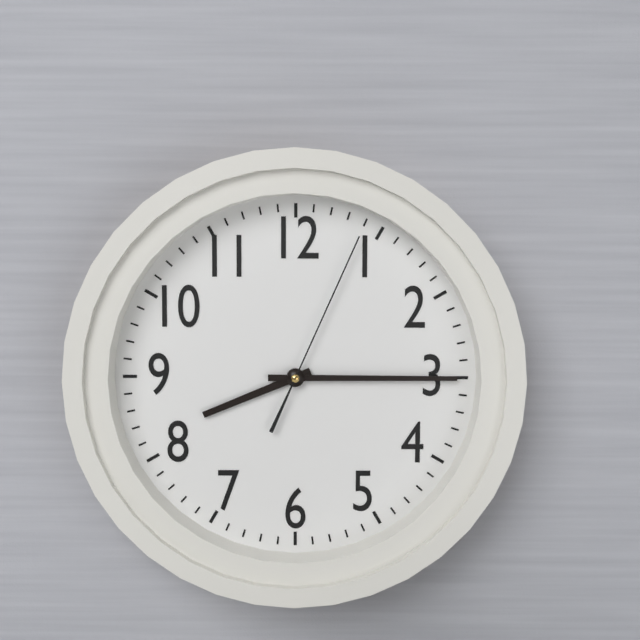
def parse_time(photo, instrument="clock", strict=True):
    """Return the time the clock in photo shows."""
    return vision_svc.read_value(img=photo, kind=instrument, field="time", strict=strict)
8:15:04
